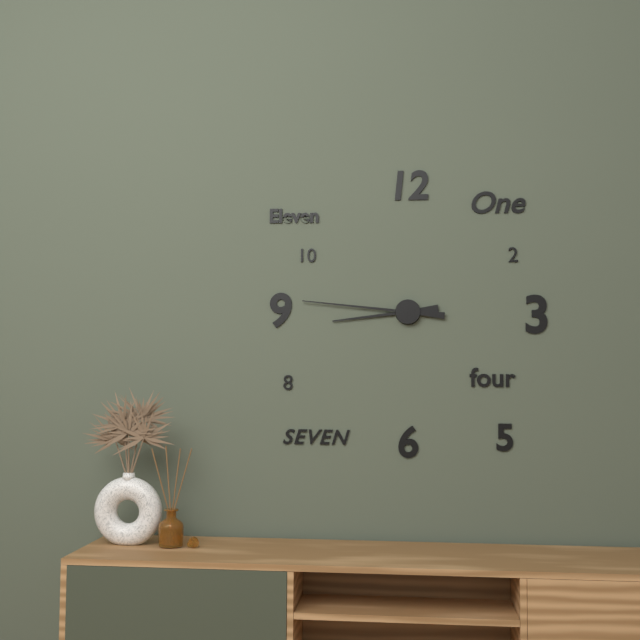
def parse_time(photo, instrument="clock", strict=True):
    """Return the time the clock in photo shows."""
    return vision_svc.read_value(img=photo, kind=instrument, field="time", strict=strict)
8:46
